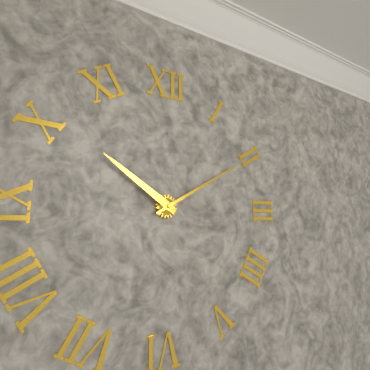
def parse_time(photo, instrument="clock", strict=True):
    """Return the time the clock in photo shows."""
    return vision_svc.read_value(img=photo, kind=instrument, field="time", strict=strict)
10:10
